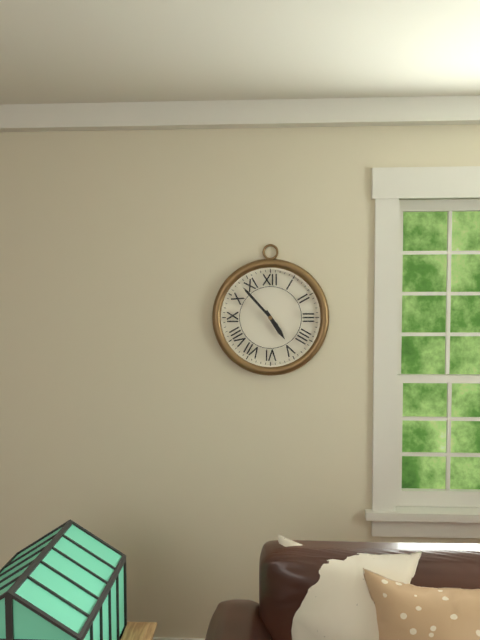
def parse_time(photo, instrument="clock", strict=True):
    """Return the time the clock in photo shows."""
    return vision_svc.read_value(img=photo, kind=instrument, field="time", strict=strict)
4:53
